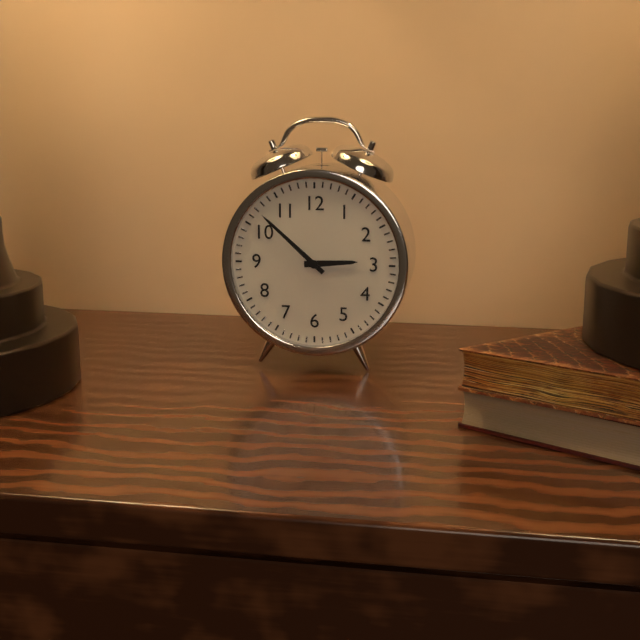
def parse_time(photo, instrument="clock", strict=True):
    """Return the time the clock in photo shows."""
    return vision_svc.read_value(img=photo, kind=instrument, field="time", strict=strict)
2:52
